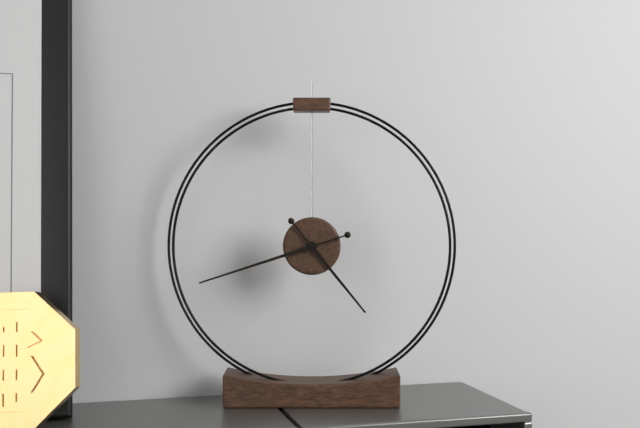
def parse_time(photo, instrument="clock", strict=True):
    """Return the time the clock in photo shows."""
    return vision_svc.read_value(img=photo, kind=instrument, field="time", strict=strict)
4:42
